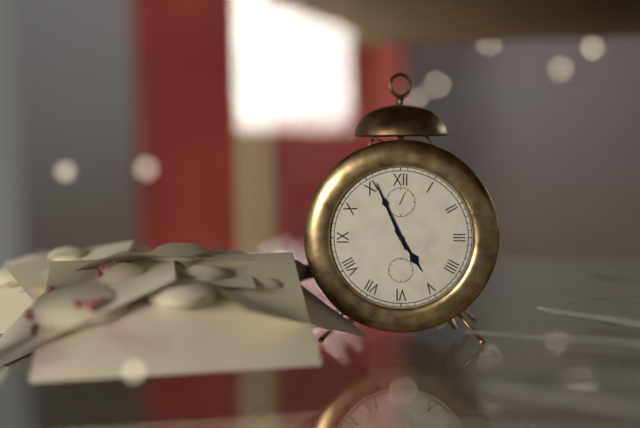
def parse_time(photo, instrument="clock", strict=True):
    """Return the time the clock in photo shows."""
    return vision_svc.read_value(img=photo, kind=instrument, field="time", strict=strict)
4:56
